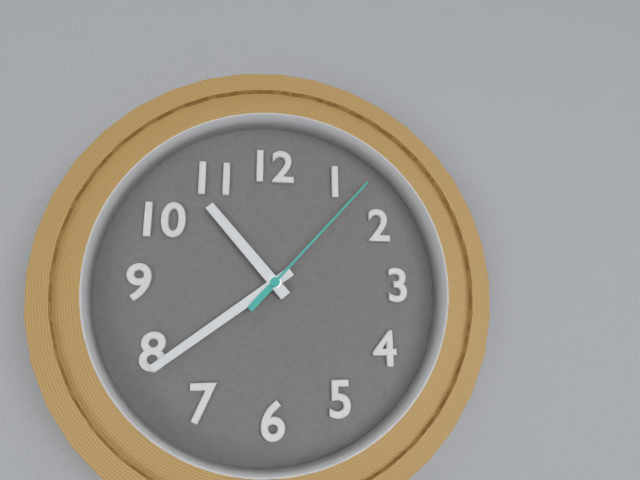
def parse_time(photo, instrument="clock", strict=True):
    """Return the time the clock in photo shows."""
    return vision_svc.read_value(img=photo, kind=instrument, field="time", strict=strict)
10:39:07
